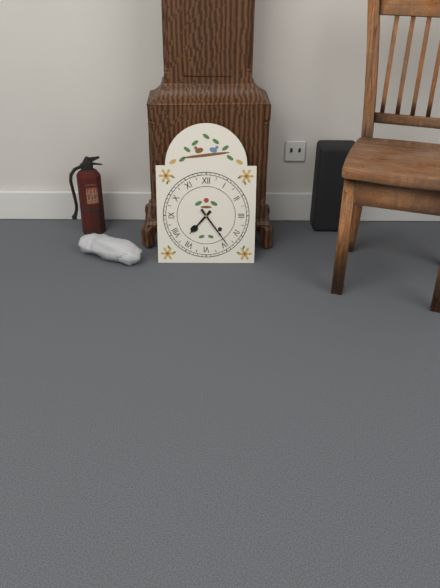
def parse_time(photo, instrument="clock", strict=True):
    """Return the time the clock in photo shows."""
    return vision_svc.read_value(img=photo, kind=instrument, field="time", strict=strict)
7:24
